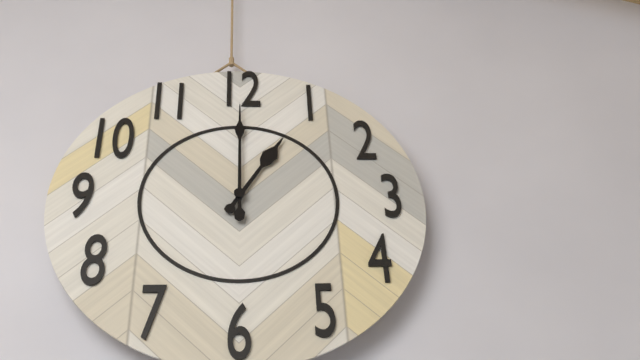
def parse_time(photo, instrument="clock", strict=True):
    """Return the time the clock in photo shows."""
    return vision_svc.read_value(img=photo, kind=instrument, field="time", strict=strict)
1:00
